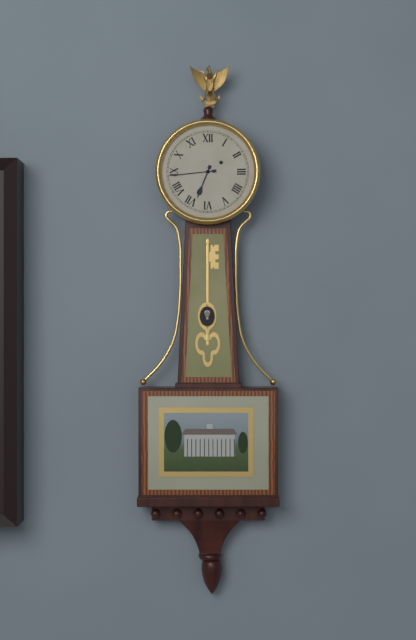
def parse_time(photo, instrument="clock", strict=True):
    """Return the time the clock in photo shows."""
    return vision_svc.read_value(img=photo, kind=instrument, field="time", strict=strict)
6:44
